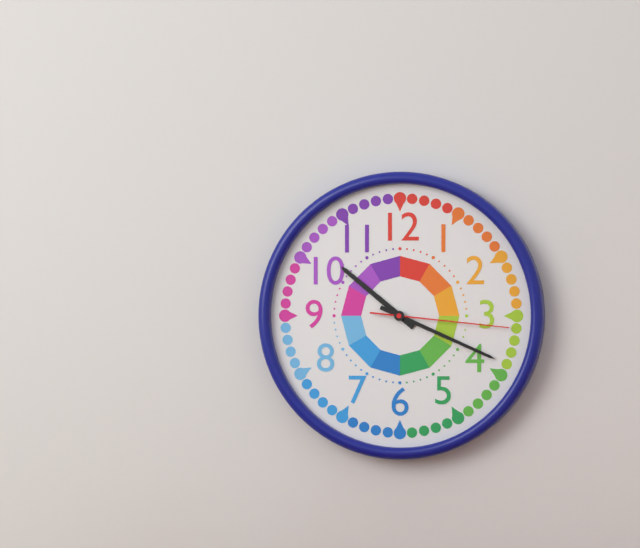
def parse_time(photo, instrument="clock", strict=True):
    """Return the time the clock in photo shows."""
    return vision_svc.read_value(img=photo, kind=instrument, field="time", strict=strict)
10:19:16
